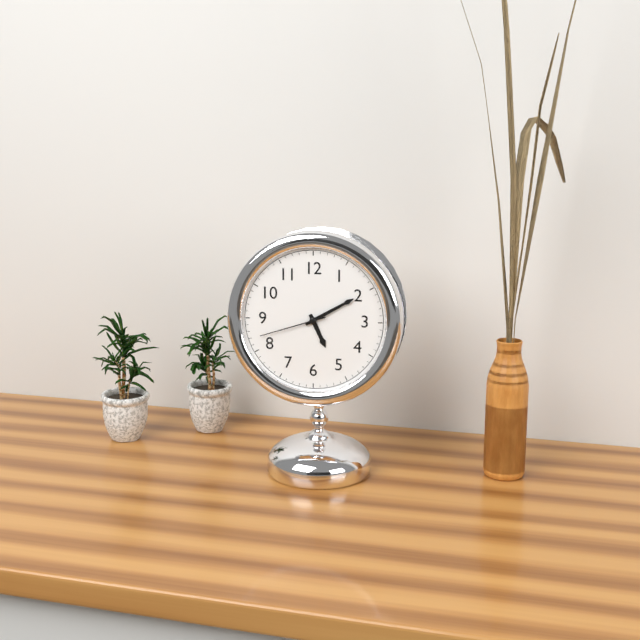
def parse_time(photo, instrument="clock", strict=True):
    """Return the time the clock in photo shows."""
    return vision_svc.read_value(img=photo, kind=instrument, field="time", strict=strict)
5:10:42
